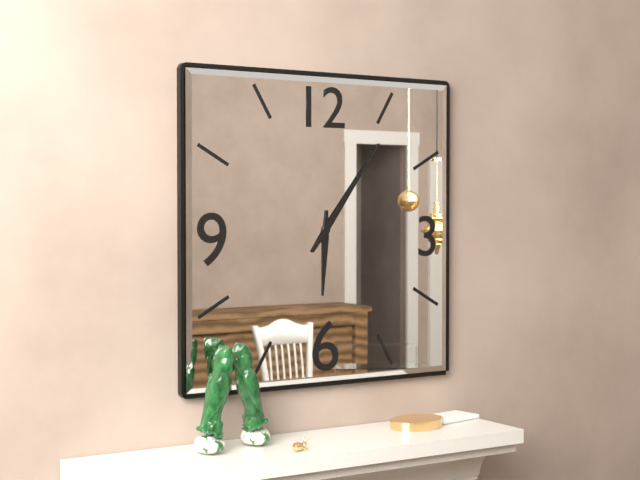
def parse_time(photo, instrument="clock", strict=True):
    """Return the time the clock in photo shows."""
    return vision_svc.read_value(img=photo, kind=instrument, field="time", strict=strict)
6:06
